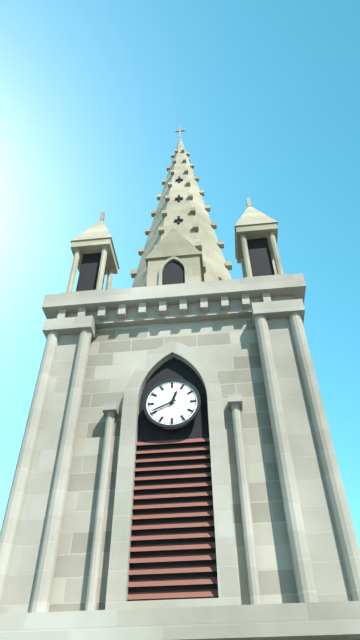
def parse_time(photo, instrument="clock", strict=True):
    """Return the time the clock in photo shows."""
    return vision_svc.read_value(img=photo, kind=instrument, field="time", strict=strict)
12:41
